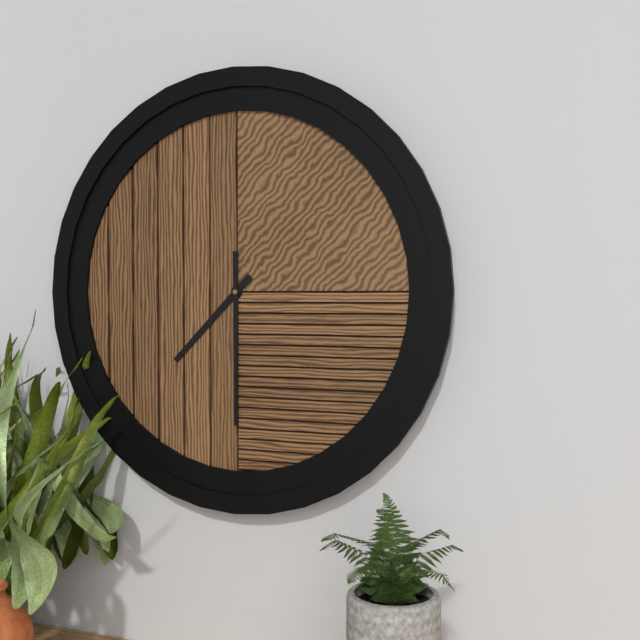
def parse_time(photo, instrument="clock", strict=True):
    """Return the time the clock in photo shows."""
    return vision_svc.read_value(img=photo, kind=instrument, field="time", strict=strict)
7:30
